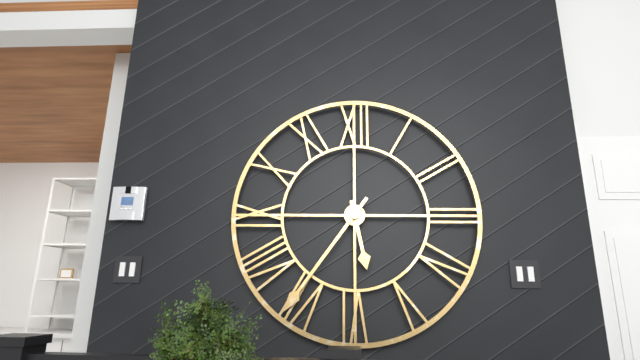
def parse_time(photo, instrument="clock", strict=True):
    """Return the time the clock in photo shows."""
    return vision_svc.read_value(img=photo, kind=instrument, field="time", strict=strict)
5:36
